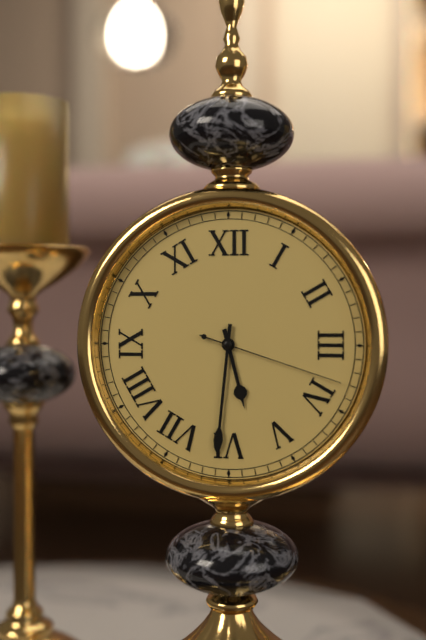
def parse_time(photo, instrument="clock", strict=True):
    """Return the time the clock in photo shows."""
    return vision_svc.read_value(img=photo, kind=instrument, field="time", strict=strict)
5:31:18
